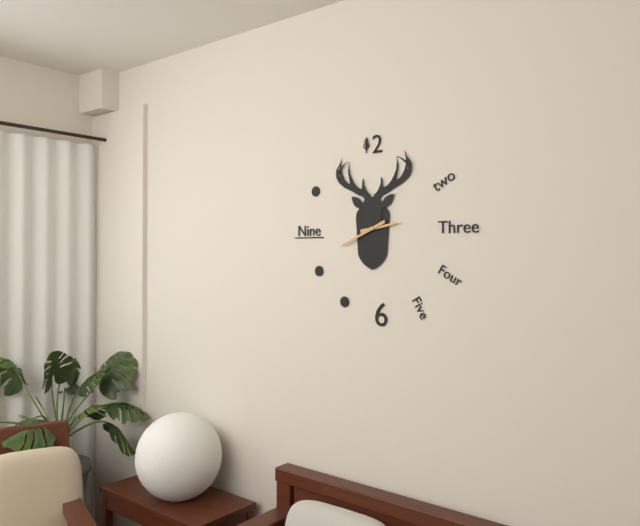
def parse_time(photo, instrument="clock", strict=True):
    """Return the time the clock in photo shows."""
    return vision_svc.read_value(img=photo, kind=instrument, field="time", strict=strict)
2:41
